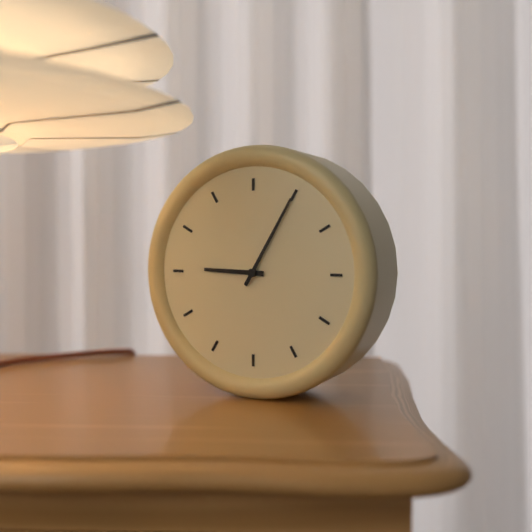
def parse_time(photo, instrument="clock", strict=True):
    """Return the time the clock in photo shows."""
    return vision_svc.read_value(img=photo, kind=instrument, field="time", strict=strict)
9:05
